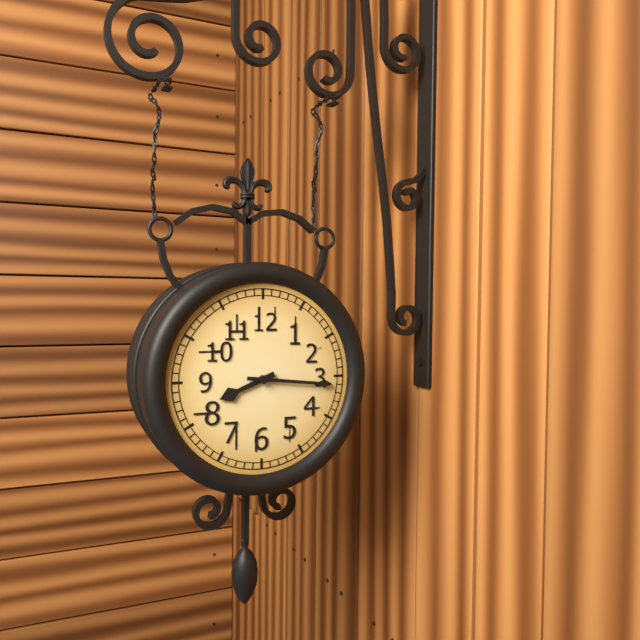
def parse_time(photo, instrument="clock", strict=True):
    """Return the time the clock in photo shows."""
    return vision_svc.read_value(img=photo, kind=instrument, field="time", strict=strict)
8:16
